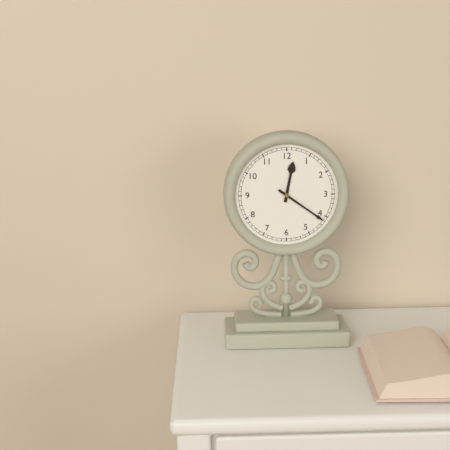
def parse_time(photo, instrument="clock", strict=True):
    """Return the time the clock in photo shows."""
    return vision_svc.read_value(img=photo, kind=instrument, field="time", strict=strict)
12:21
